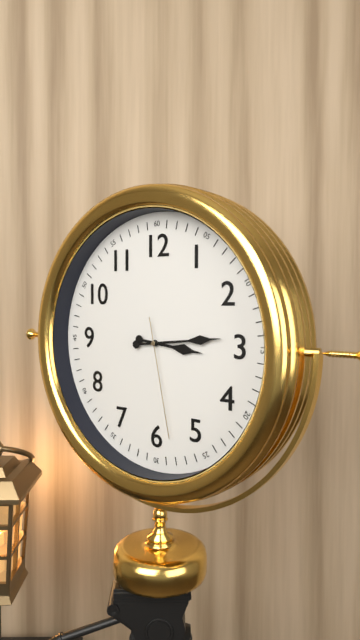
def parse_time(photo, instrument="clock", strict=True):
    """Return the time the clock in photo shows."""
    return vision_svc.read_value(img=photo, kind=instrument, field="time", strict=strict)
3:14:28
